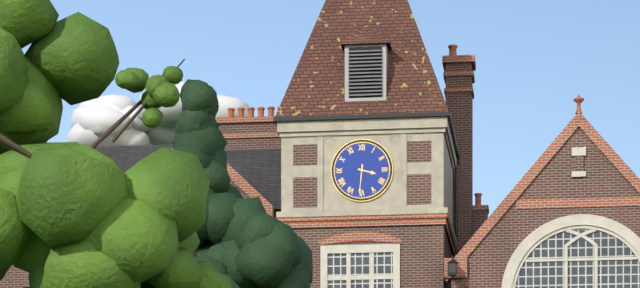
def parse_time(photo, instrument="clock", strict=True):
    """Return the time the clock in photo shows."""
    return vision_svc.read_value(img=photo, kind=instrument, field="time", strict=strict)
3:31
